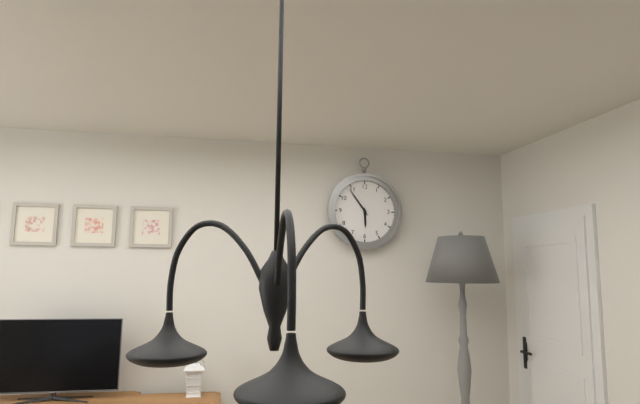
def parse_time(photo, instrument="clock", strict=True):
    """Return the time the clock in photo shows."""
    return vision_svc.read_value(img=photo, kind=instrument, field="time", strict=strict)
5:54
